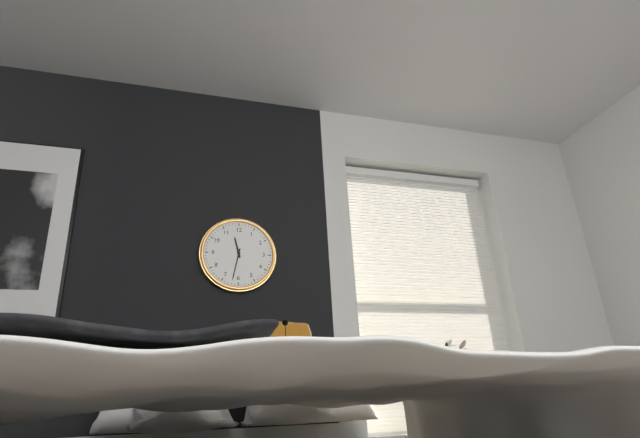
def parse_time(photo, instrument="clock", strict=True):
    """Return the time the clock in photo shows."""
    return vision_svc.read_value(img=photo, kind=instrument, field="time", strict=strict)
11:32
